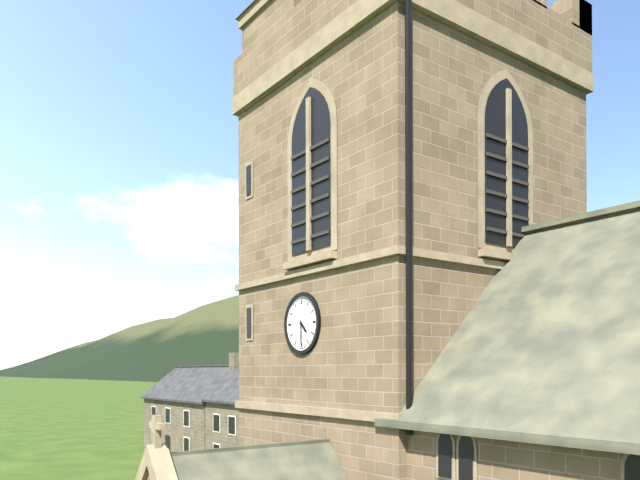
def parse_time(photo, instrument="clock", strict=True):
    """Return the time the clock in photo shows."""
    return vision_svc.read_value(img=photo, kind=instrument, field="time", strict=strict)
4:30
